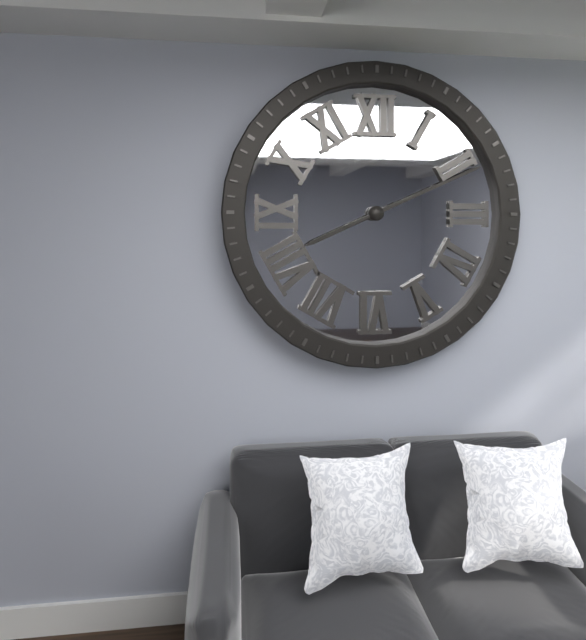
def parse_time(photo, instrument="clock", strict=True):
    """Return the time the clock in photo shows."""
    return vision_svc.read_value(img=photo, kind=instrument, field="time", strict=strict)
8:11
